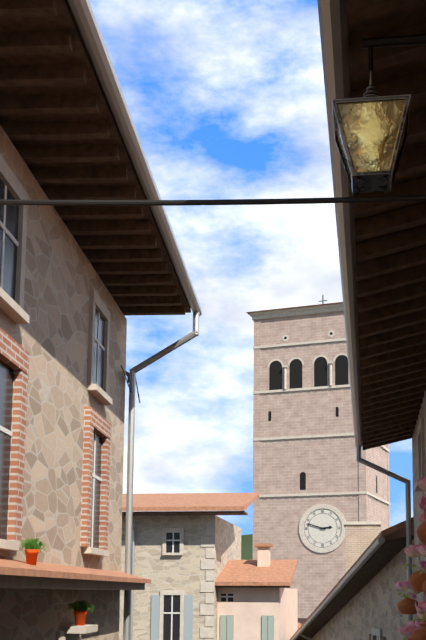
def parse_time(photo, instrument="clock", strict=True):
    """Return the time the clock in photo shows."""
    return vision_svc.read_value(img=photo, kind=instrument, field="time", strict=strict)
2:48
